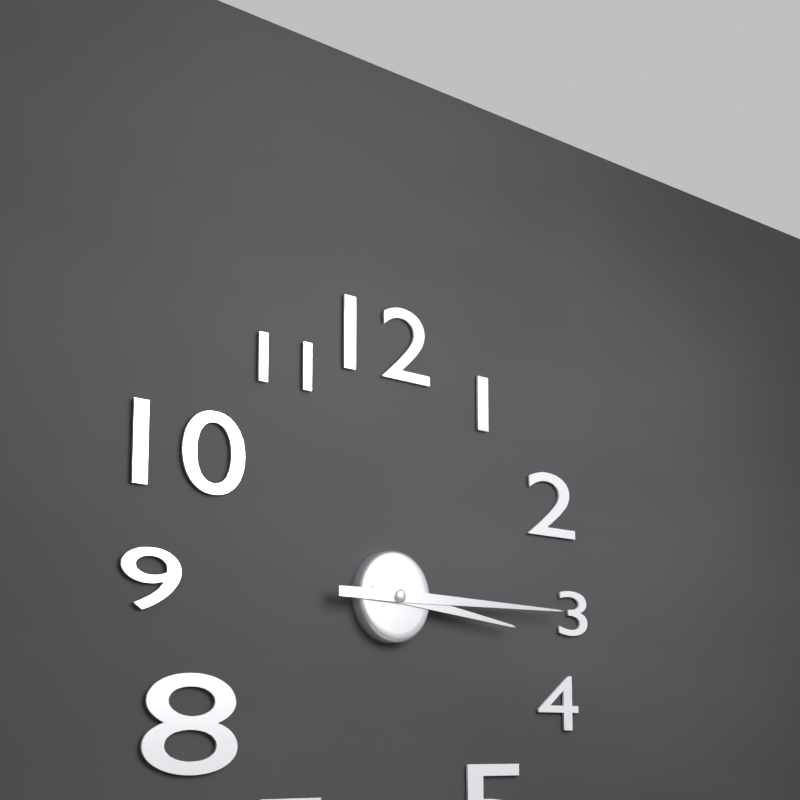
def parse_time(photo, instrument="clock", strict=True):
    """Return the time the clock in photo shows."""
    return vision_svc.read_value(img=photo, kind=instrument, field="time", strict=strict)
3:15
